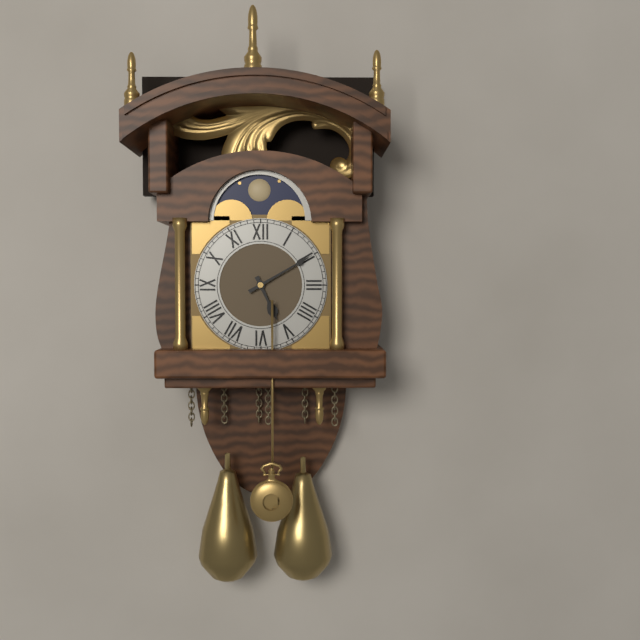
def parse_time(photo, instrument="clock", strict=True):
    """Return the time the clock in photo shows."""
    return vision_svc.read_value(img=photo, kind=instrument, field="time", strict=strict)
5:10
